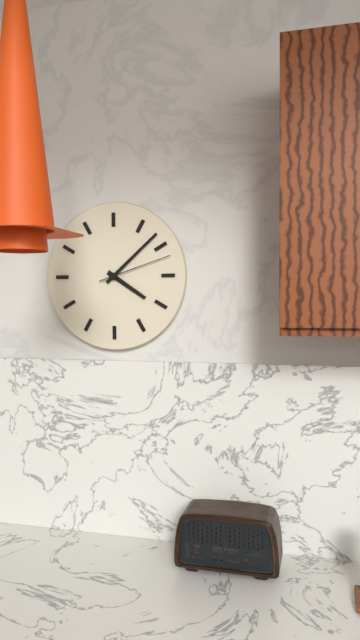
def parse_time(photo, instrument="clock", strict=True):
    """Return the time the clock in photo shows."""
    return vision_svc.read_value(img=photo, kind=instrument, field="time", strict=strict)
4:08:12
